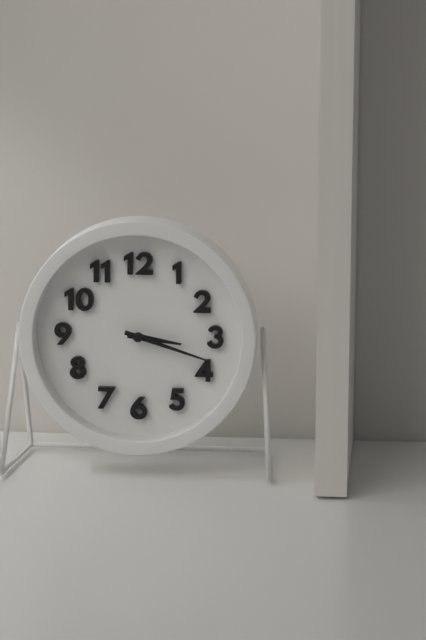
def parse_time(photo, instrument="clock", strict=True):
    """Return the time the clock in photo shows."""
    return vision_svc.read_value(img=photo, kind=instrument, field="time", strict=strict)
3:18
